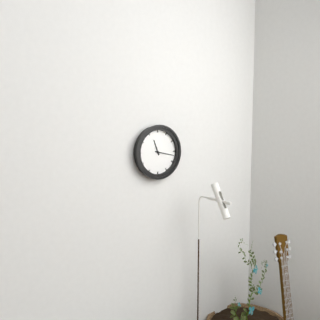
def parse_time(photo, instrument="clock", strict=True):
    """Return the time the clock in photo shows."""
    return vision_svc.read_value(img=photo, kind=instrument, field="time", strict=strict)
11:17
